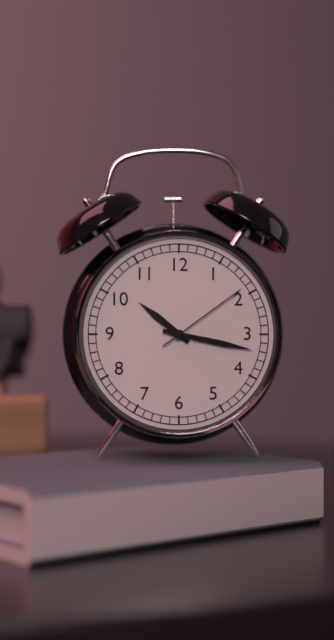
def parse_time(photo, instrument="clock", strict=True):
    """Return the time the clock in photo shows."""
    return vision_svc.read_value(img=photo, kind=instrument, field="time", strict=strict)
10:17:09
